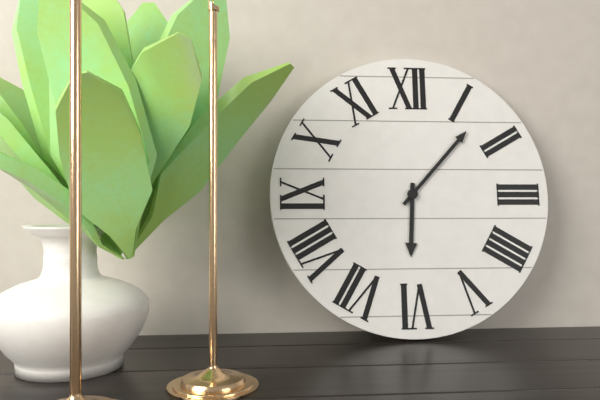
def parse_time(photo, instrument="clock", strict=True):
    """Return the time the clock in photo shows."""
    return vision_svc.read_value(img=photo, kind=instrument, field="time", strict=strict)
6:07
